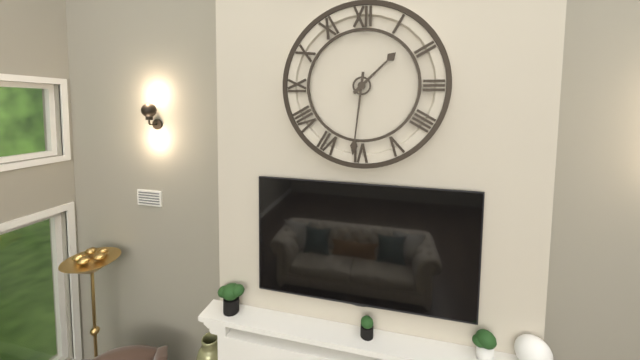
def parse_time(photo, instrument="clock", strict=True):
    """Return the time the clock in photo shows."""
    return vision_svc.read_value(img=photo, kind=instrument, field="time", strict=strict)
1:31
